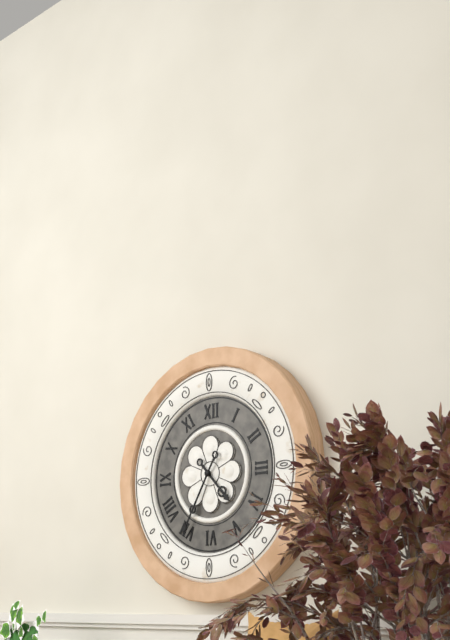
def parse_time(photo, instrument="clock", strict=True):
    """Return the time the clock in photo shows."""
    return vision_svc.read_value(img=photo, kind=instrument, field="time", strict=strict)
4:35
